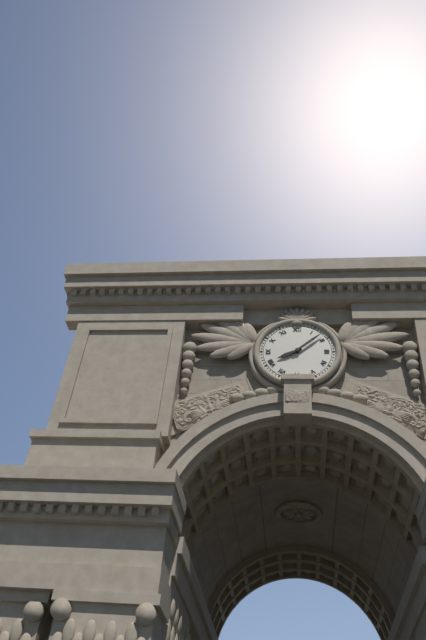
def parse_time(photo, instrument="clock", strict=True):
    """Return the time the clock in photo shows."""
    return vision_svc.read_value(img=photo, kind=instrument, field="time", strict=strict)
8:08
